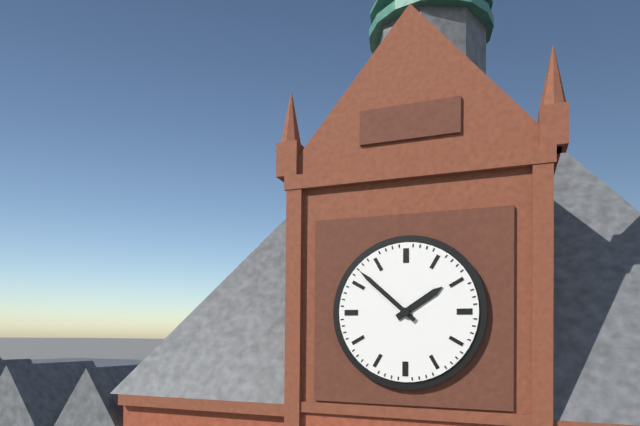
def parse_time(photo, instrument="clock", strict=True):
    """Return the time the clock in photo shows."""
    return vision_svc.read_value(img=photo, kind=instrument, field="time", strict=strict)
1:52
